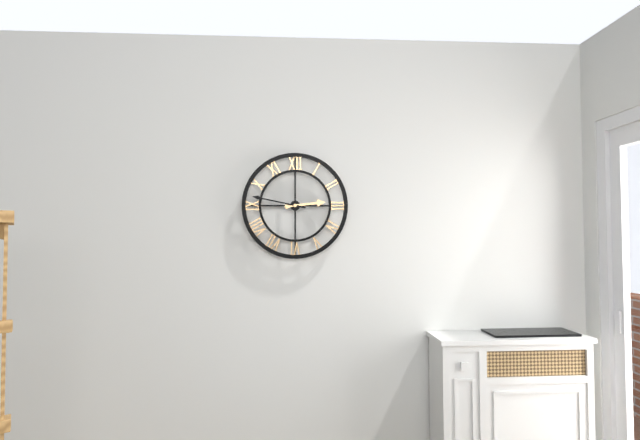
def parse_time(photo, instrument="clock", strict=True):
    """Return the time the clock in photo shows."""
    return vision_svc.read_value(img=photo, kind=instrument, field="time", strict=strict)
2:47
